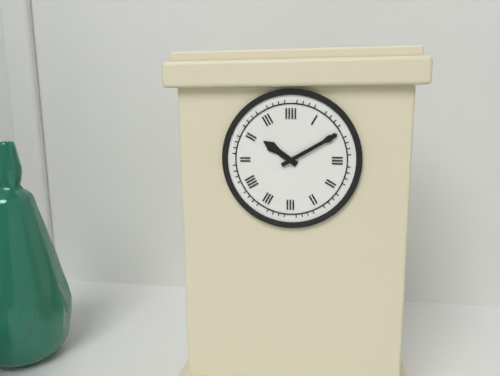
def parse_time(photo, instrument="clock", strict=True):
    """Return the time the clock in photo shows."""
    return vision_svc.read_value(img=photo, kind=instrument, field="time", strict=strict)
10:10
